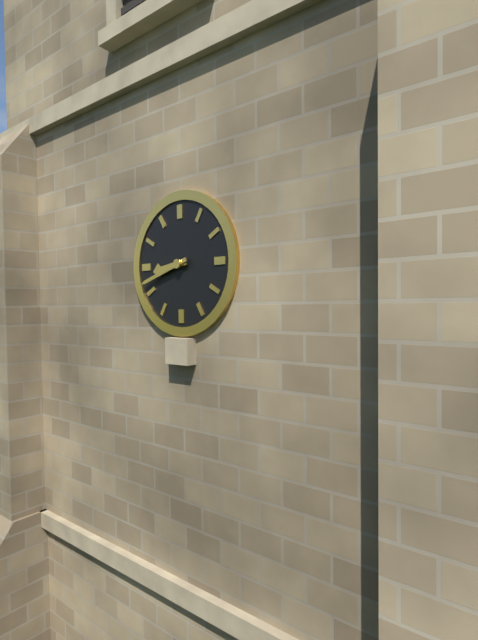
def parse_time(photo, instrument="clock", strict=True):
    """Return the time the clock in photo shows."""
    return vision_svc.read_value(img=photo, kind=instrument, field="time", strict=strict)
8:42
